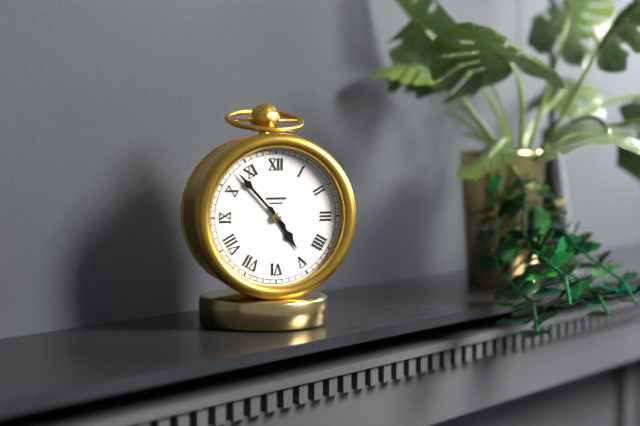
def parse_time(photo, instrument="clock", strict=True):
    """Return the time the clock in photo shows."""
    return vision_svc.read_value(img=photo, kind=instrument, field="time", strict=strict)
4:53
